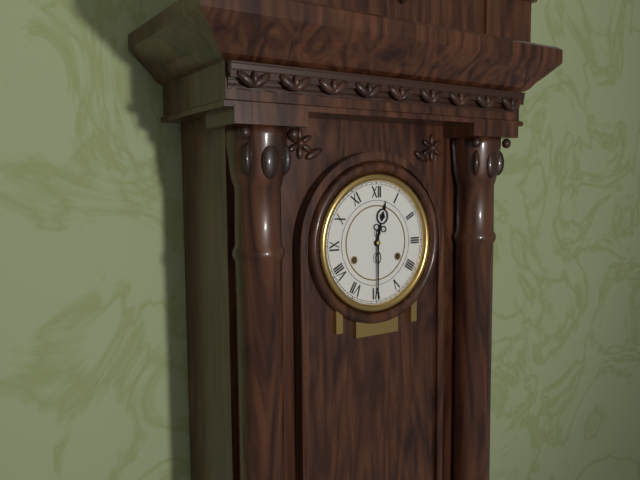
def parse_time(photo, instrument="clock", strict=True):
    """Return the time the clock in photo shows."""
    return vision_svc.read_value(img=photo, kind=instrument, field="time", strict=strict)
12:30
